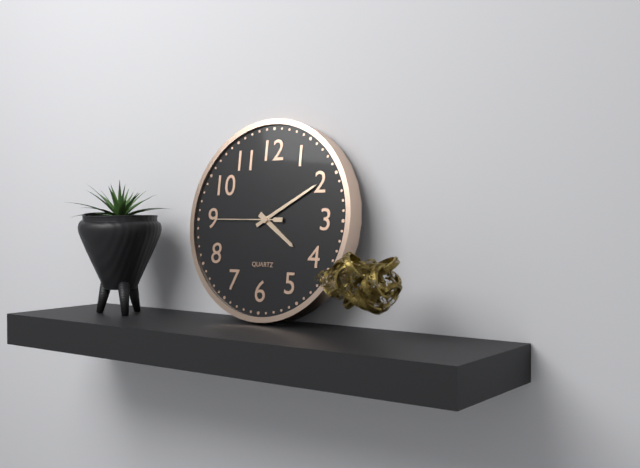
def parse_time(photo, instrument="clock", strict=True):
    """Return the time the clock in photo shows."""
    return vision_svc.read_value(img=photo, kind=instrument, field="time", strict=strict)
4:10:45
